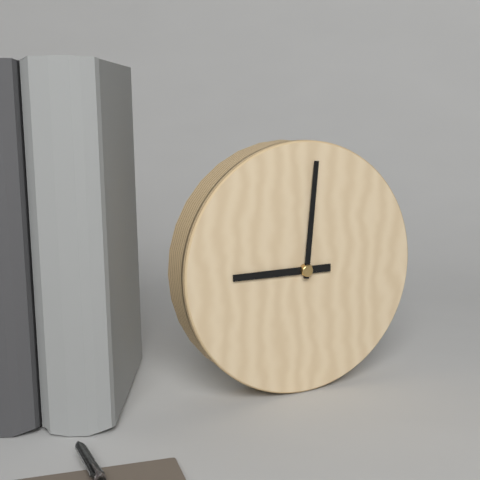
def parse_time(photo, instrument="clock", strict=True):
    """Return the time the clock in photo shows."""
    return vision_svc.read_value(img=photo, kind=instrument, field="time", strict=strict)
9:01
